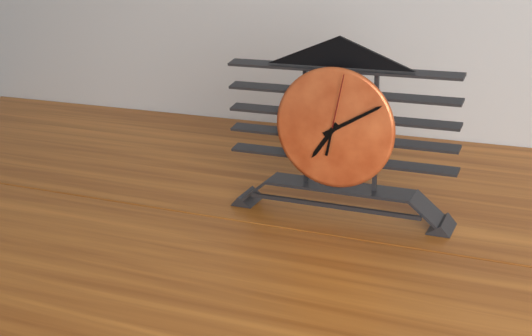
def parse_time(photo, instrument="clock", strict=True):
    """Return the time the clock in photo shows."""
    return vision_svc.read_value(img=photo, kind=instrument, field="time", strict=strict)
7:10:02
